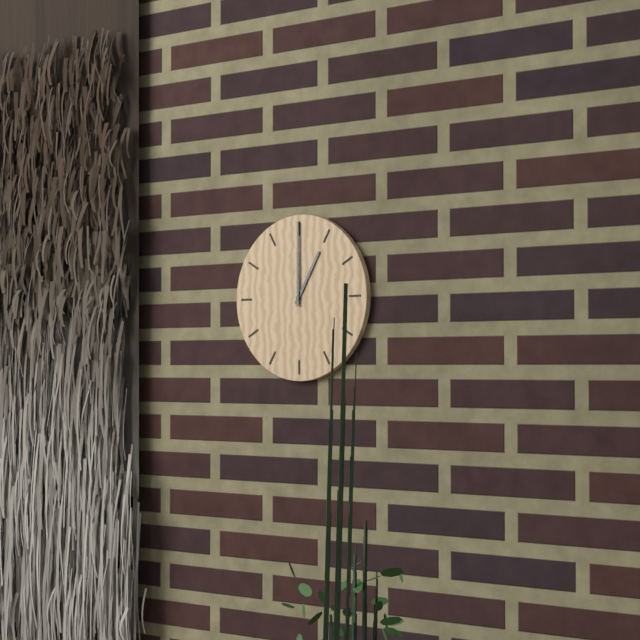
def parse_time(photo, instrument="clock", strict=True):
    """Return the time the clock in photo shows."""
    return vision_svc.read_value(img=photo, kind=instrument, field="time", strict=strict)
1:00
